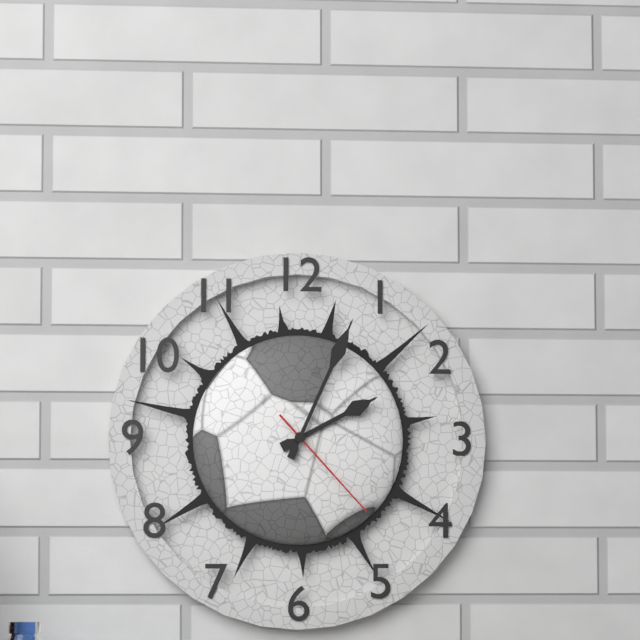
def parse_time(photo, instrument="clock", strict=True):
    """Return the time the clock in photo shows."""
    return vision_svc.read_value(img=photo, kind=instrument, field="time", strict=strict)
2:04:23
